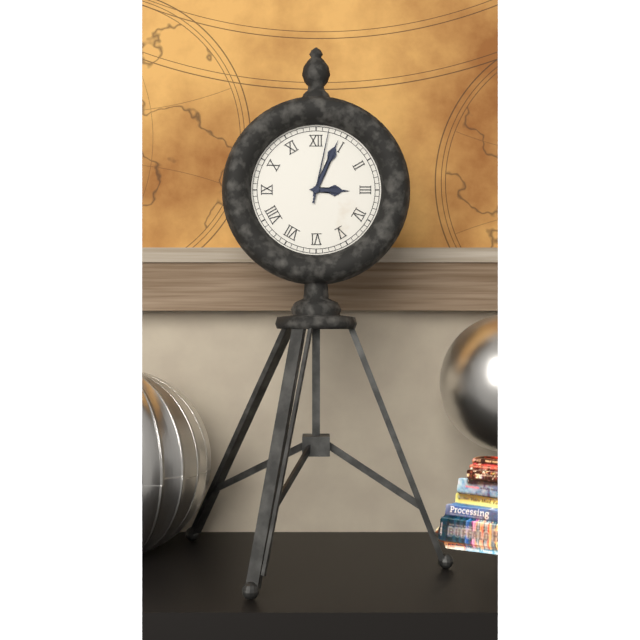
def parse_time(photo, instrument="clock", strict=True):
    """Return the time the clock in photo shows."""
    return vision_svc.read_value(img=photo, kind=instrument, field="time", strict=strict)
3:04:02
